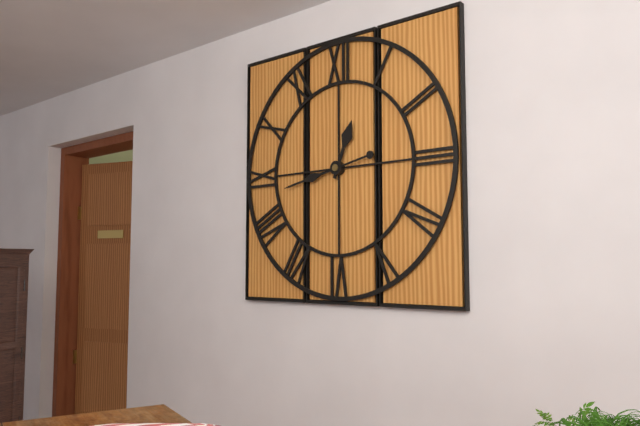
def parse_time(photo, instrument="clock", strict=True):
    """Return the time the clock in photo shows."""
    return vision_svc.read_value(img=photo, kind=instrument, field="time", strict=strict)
12:43
